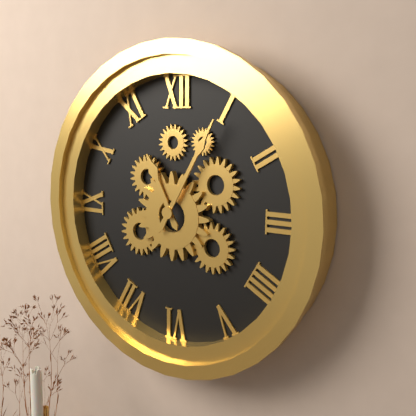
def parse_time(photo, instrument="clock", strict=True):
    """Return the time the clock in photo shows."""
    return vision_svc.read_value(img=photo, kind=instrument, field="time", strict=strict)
11:05
